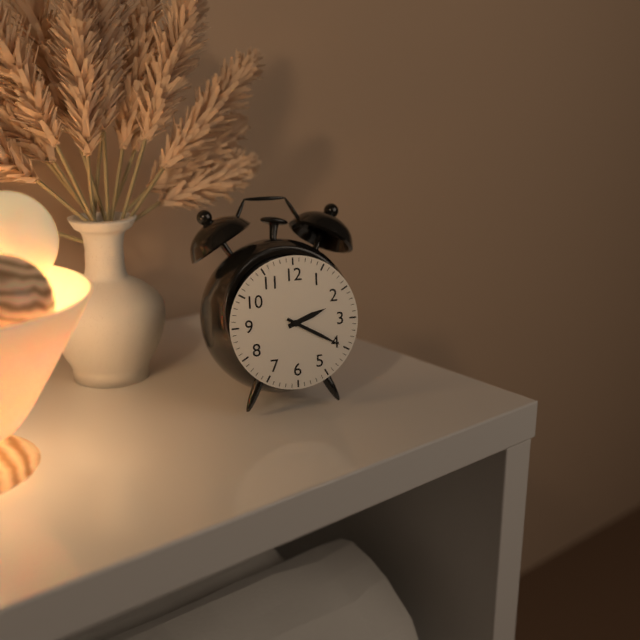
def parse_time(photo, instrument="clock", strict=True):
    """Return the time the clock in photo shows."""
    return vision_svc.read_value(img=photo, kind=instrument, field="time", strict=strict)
2:20
